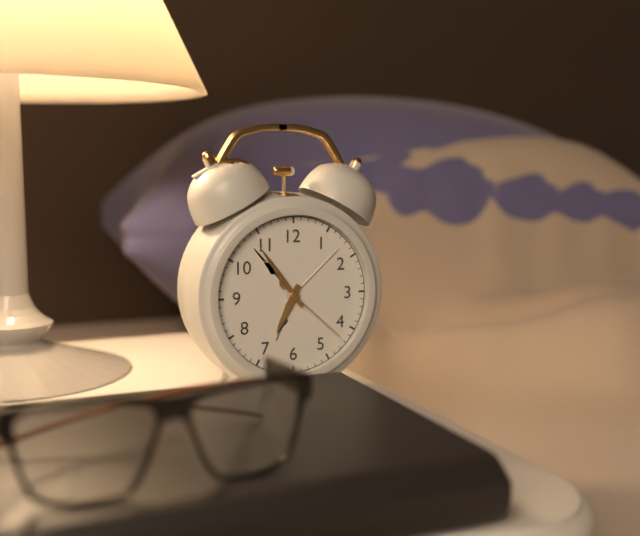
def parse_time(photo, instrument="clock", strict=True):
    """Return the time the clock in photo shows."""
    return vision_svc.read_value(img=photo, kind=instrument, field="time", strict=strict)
6:54:22
